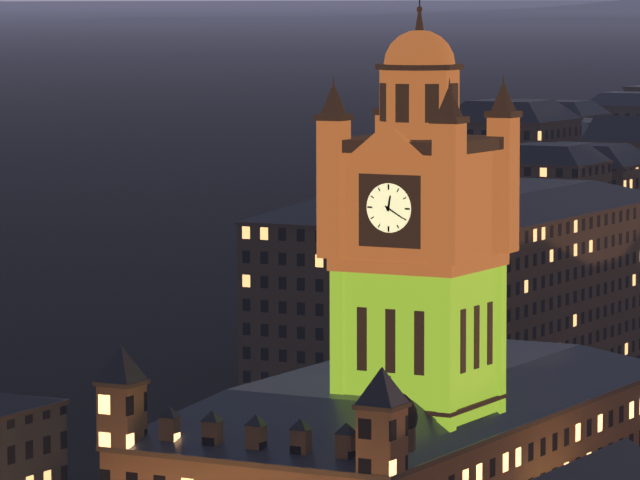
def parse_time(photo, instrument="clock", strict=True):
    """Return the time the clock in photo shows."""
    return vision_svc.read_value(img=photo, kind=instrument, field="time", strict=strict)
12:20
